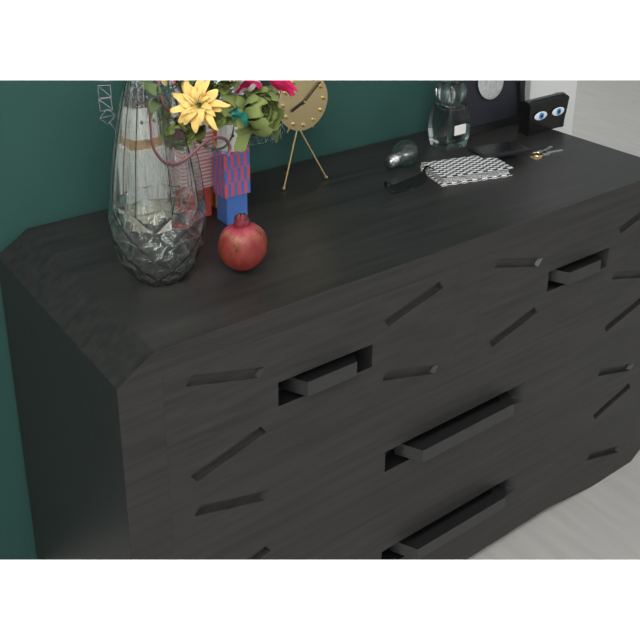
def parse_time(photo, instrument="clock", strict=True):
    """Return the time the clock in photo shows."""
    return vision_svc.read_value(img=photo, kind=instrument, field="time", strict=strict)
8:08
